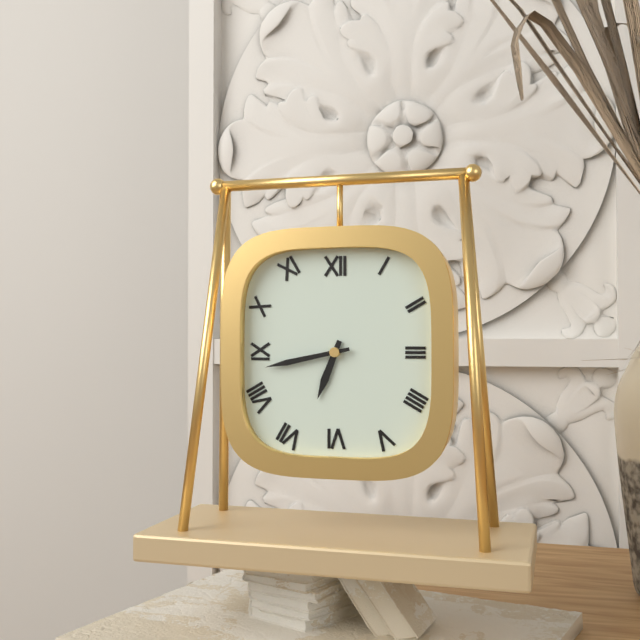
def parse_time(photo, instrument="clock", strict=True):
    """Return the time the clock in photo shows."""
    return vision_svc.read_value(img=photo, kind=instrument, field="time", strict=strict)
6:43
